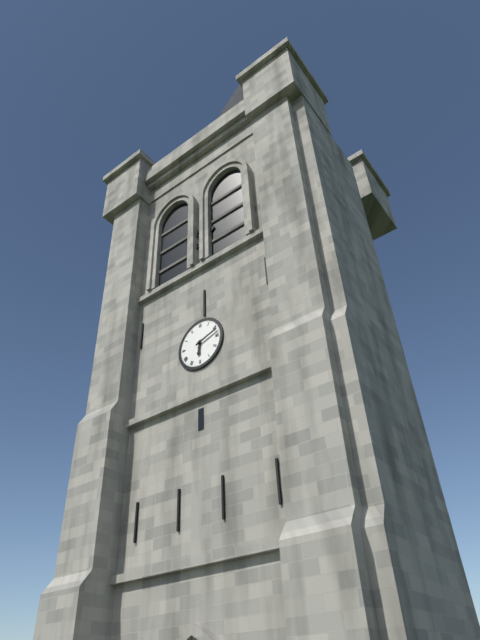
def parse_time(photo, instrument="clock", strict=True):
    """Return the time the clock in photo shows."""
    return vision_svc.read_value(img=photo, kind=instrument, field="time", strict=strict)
6:12
